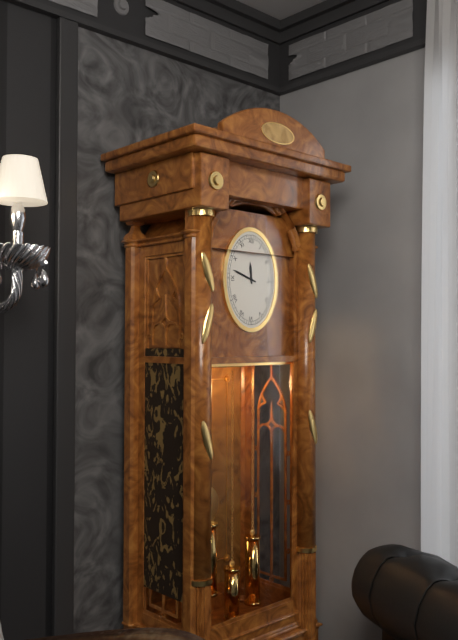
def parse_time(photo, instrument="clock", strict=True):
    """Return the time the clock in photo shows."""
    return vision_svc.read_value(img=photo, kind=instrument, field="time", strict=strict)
11:48
